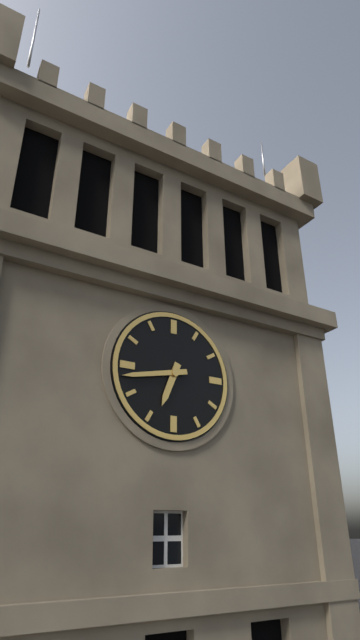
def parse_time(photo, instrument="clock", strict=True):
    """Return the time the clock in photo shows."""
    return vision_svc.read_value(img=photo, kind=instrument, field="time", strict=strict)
6:43
